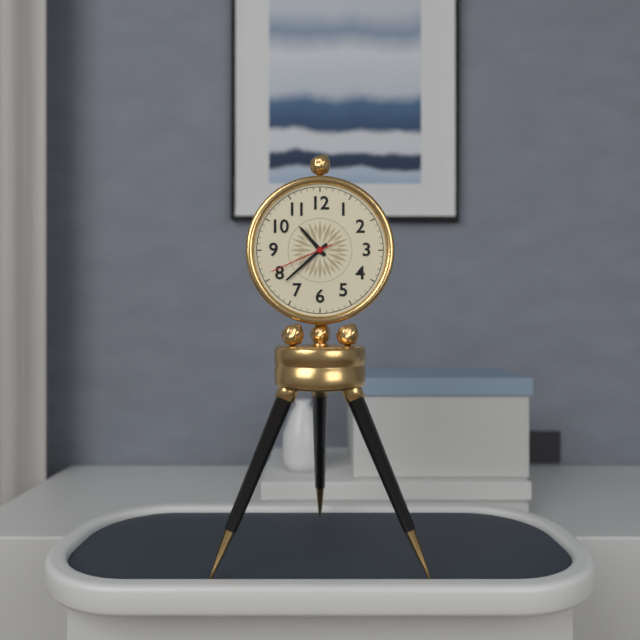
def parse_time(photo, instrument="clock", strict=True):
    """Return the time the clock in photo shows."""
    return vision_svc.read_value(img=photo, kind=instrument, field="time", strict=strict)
10:38:41
